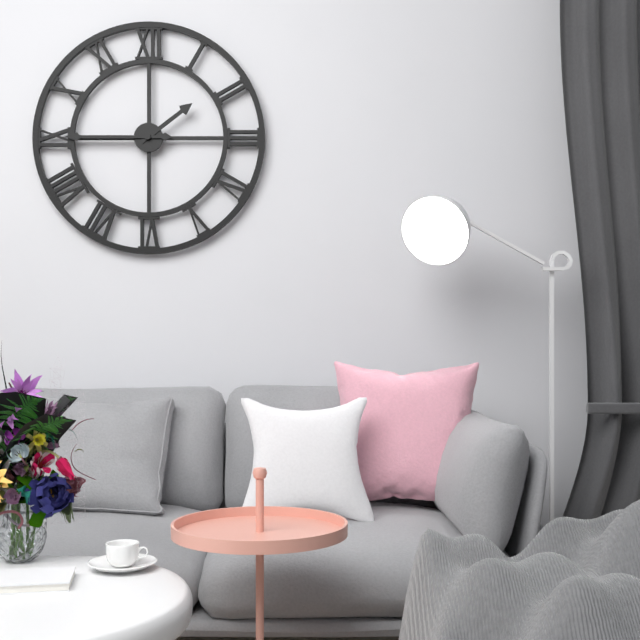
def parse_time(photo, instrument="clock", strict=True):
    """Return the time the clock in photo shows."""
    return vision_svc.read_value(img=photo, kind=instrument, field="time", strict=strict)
1:45
